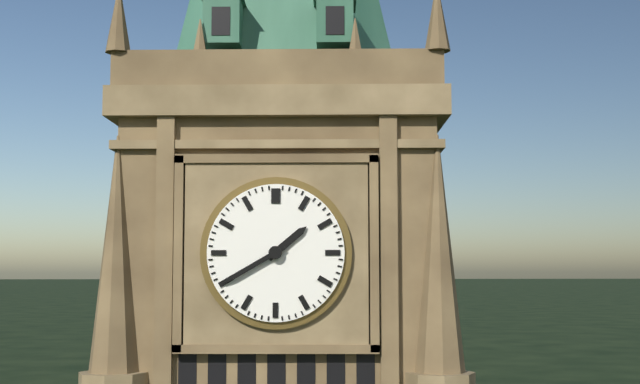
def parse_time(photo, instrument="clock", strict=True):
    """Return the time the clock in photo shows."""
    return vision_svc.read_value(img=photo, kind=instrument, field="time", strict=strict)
1:40
